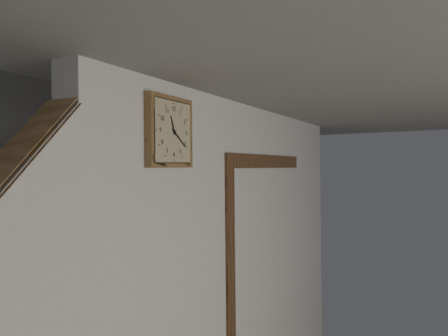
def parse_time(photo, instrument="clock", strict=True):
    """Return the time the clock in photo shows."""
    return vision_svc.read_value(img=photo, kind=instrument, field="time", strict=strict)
11:21
